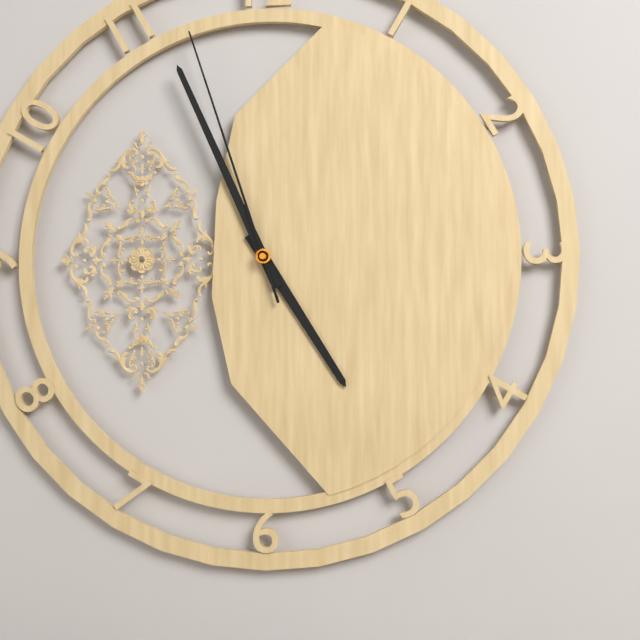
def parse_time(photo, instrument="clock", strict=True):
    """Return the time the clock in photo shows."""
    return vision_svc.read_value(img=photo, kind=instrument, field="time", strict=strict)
4:56:57
